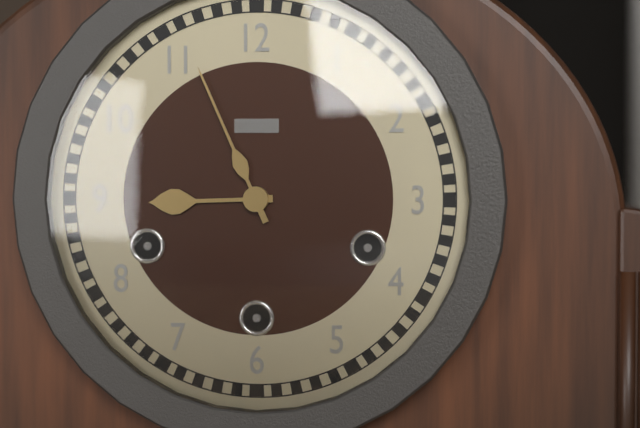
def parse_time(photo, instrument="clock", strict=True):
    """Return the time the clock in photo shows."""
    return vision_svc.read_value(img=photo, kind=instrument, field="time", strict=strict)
8:56
